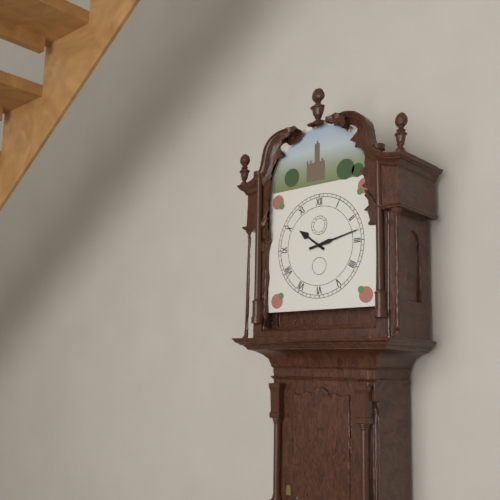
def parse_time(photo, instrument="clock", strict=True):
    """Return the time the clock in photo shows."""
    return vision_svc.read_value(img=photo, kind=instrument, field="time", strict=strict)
10:13
